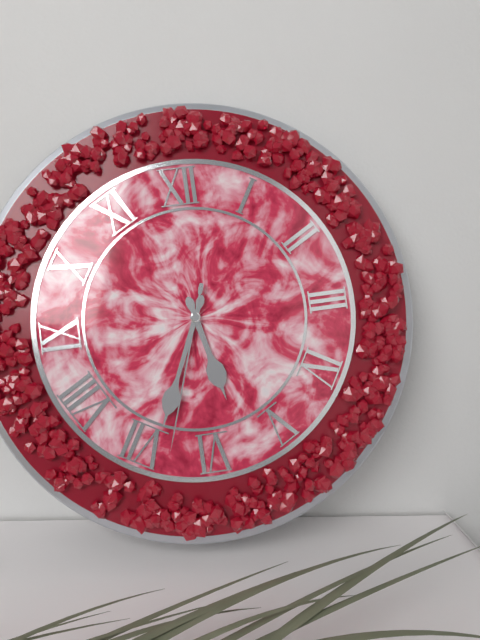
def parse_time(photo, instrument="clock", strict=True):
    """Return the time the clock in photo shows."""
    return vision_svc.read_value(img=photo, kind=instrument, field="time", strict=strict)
5:34:33
